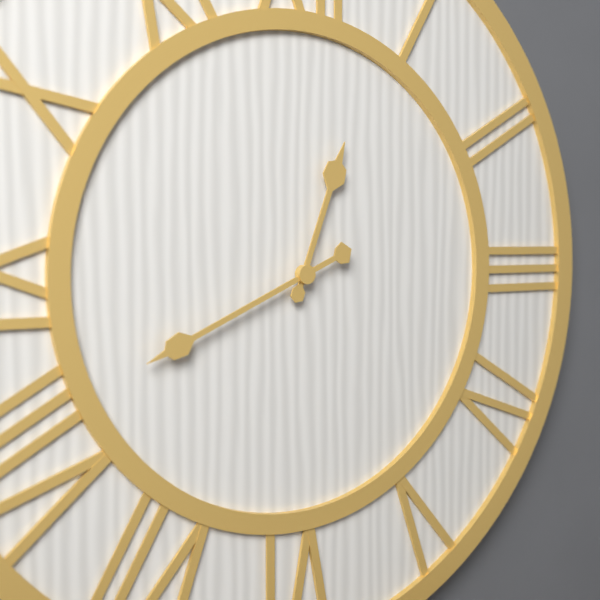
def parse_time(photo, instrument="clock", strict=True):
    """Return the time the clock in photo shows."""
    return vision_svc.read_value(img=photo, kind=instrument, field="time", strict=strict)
12:41
